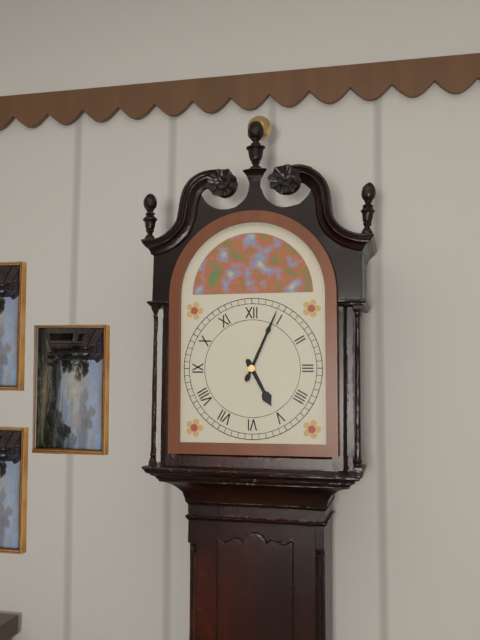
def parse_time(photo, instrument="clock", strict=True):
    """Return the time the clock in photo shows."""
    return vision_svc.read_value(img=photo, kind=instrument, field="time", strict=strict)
5:04
